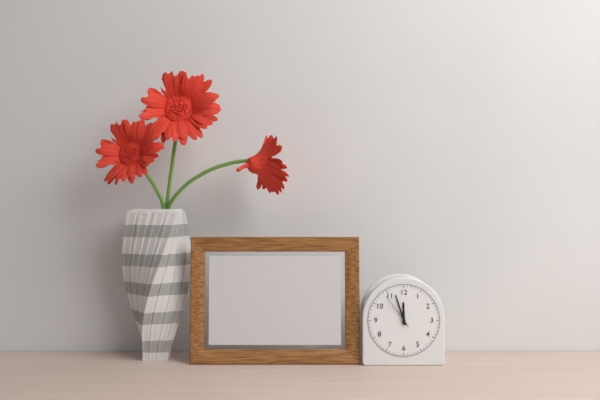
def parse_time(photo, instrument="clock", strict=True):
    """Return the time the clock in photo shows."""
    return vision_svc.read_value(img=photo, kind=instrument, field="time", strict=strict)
11:57
